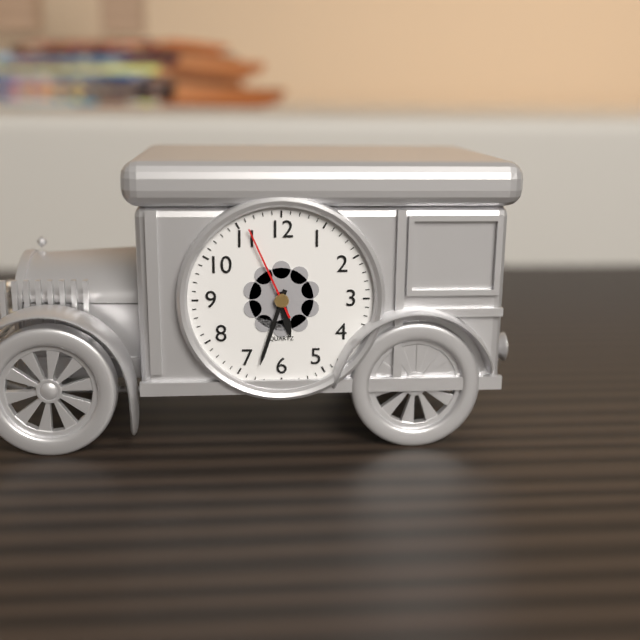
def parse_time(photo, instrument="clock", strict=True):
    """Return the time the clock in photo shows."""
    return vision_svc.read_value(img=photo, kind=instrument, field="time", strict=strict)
5:33:56
